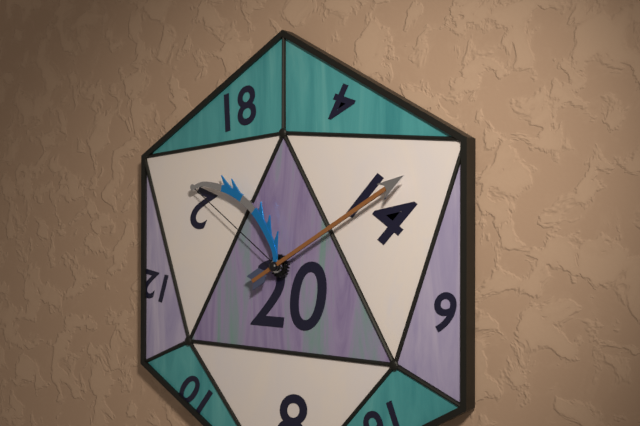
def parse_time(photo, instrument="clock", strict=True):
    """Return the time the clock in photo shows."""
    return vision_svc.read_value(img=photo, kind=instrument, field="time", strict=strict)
10:10
